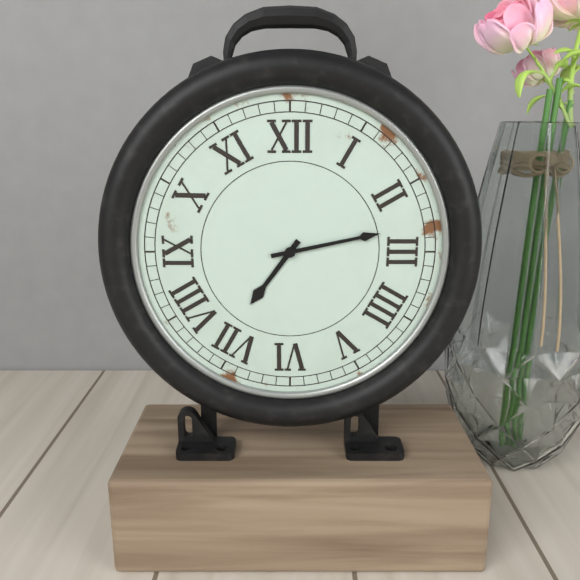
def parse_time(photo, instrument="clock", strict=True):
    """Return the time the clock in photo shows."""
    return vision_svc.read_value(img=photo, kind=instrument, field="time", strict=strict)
7:13
